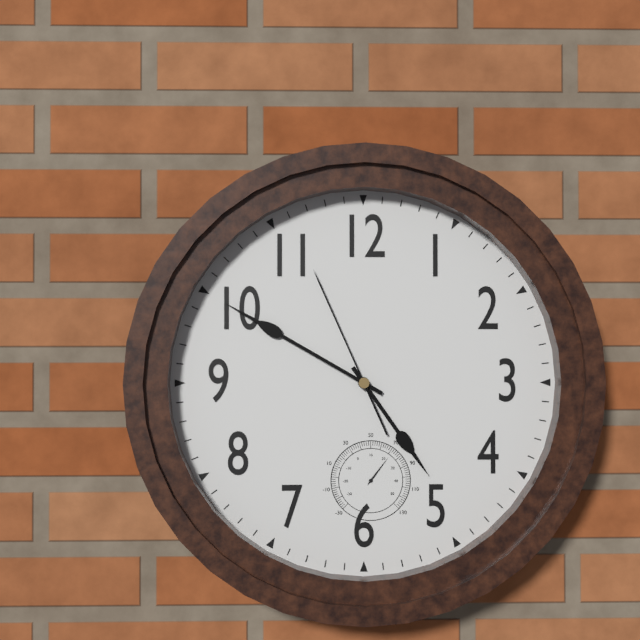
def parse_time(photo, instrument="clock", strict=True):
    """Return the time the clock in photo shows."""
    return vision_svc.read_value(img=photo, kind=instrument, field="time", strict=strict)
4:50:56
